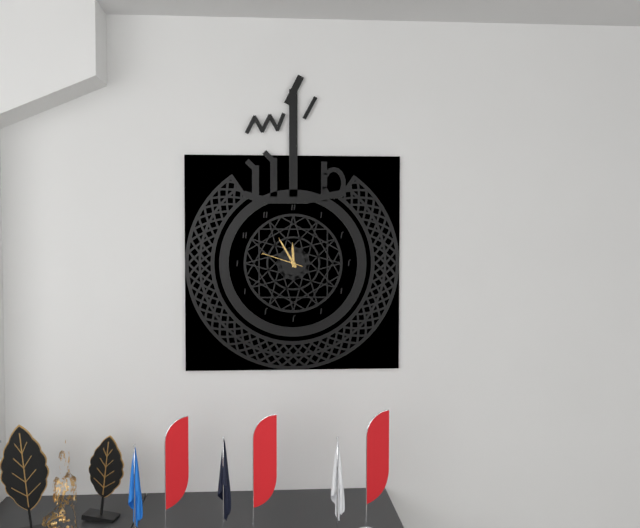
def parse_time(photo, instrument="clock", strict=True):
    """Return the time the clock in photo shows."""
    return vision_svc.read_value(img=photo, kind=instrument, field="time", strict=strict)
11:55
